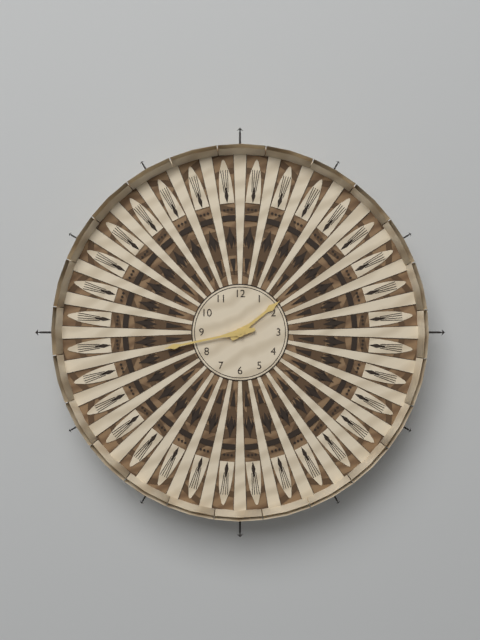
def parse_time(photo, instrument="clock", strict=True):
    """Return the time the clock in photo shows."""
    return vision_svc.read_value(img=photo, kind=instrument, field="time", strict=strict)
1:43
